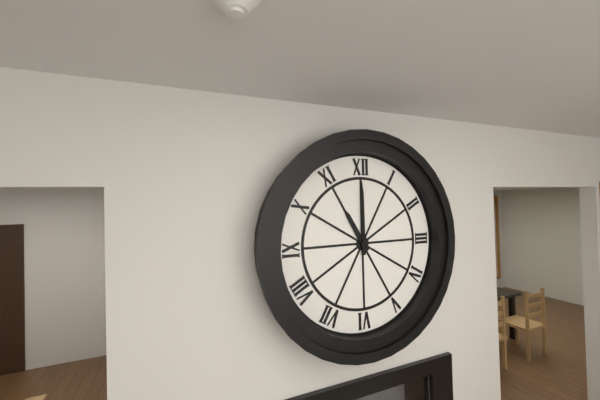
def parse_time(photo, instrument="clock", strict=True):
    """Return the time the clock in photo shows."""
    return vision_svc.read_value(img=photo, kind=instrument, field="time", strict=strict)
11:00
